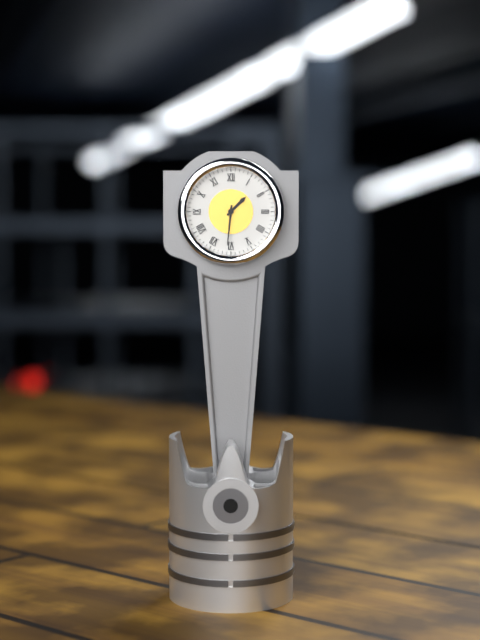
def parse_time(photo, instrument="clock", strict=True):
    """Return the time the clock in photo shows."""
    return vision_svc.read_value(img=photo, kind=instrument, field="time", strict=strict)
1:31
